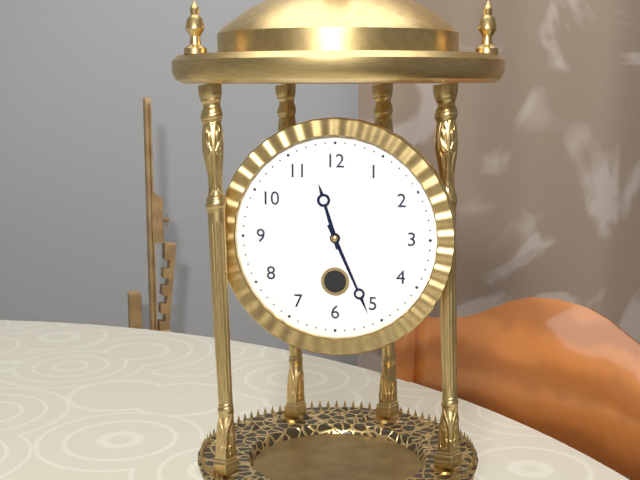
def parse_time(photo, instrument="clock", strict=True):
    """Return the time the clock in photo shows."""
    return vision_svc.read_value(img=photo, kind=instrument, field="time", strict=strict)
11:26
